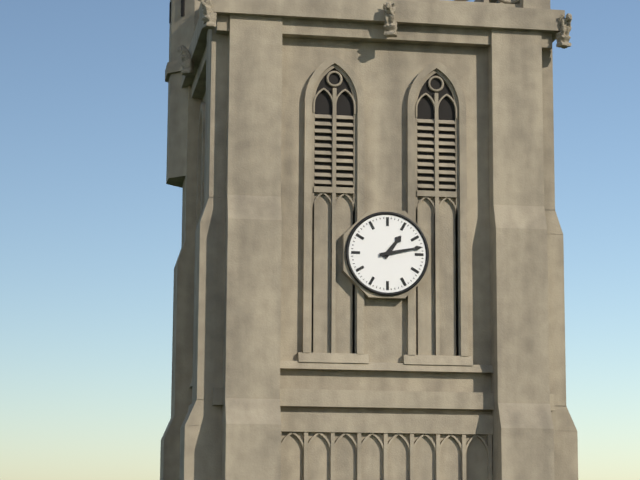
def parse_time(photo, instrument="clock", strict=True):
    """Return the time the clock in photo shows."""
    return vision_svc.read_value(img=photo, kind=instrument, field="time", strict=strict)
1:13
